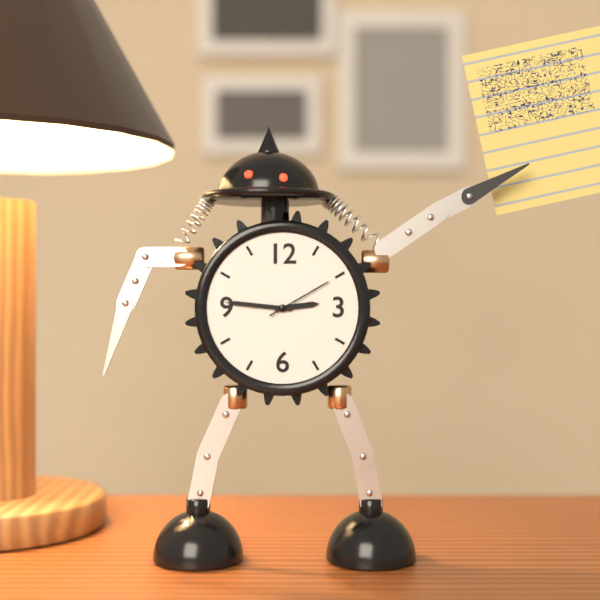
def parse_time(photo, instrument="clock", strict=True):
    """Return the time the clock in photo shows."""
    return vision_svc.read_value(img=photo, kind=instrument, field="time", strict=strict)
2:46:10
